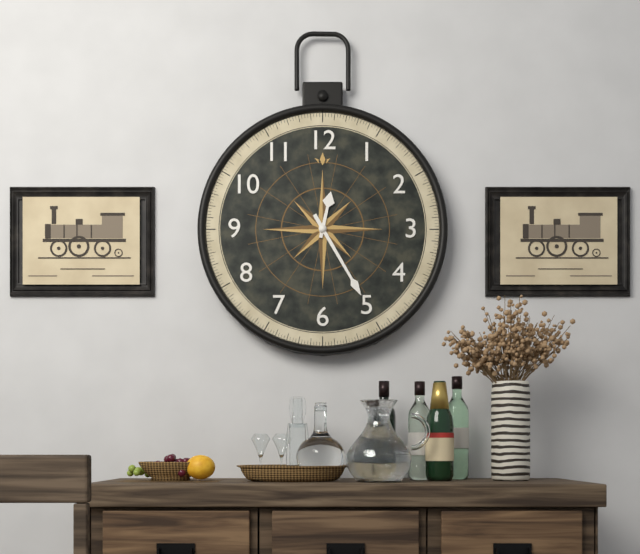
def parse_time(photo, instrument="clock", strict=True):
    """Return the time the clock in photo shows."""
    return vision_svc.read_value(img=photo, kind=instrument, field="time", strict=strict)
12:25
